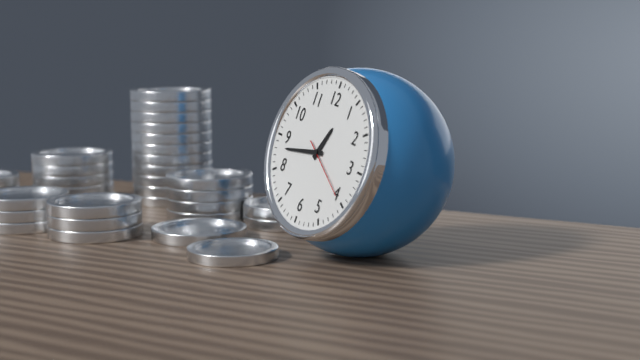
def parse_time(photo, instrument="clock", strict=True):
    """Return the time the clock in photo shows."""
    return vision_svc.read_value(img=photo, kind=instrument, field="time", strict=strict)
12:43:20
